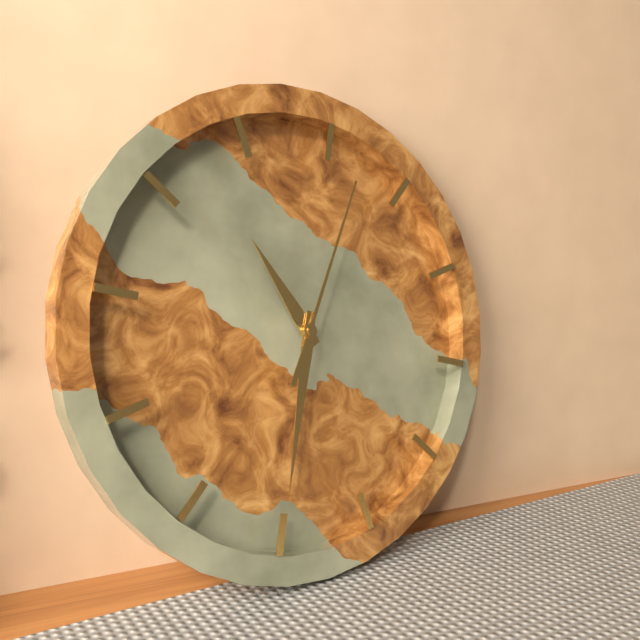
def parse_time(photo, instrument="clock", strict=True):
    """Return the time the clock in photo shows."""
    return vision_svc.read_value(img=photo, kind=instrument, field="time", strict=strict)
10:30:02
